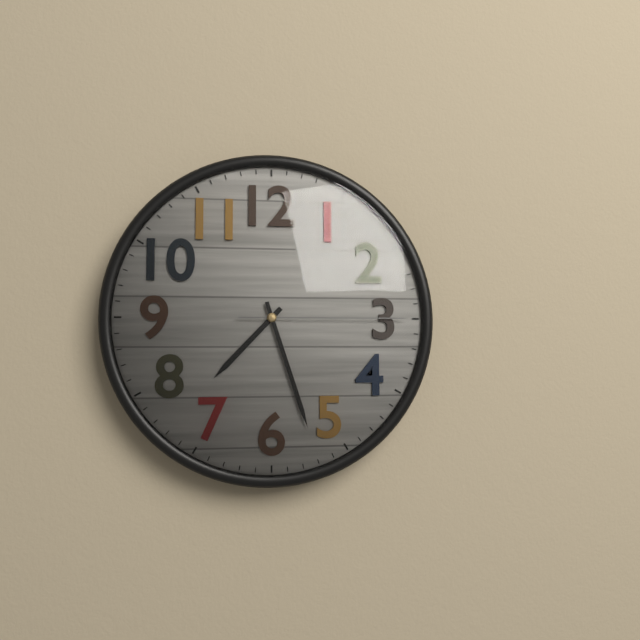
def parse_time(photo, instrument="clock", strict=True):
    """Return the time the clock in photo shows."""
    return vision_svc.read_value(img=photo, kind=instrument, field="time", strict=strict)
7:27:15
